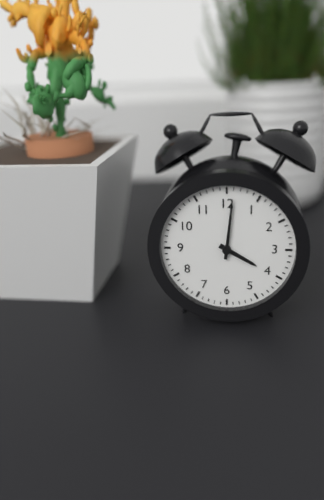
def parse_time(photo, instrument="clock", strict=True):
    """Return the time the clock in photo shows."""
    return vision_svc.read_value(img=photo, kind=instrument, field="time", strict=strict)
4:01
